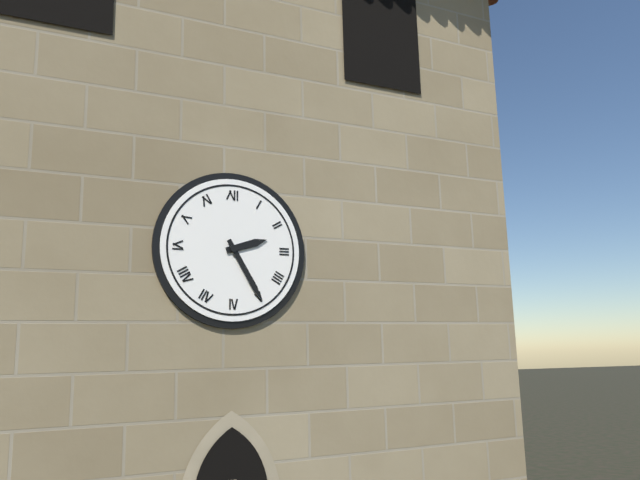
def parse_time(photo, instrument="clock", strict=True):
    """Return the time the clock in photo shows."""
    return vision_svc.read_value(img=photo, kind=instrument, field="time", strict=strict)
2:25
